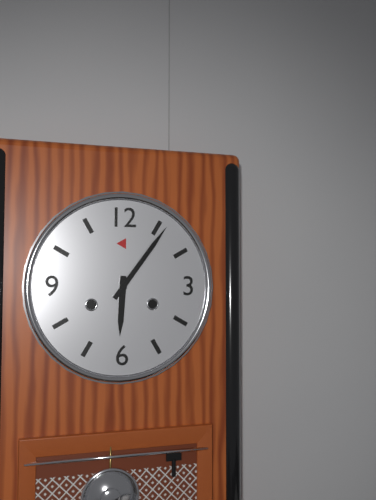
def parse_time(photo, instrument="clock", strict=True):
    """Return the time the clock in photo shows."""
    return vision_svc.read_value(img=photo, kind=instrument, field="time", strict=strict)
6:06
